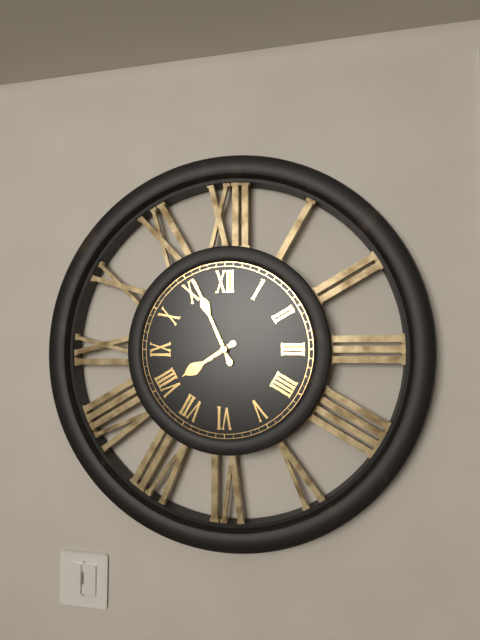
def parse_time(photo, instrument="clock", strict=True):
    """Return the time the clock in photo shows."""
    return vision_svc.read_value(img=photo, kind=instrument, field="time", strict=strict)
7:56
